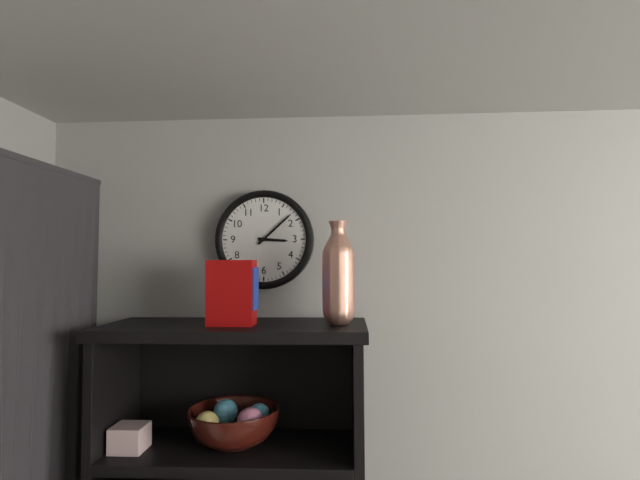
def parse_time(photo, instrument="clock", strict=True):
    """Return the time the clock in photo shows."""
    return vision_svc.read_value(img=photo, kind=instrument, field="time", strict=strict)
3:08
